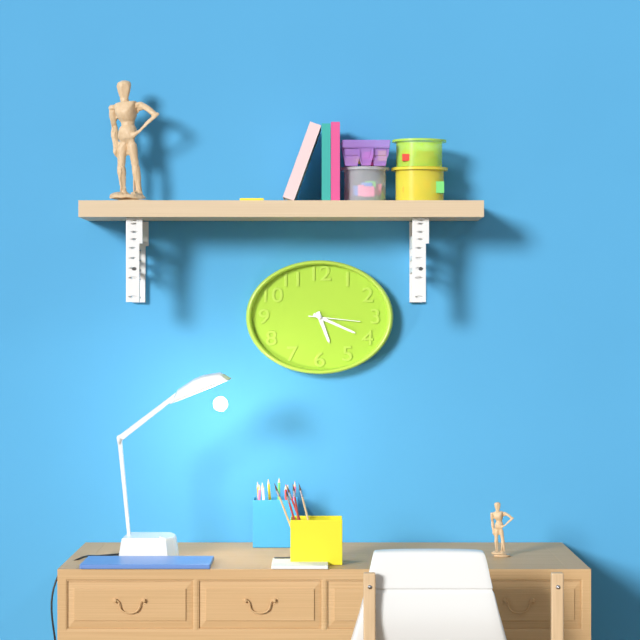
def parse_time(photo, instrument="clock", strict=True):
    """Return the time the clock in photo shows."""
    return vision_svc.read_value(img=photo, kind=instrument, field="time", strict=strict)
5:19:16
